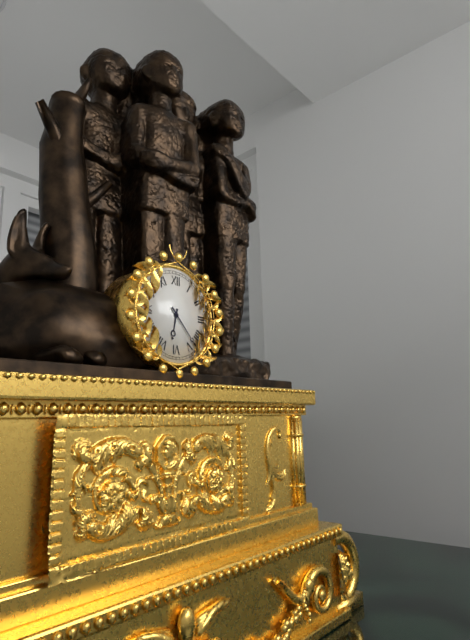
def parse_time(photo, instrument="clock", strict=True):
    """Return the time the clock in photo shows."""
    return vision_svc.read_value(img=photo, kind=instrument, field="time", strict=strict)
6:23
